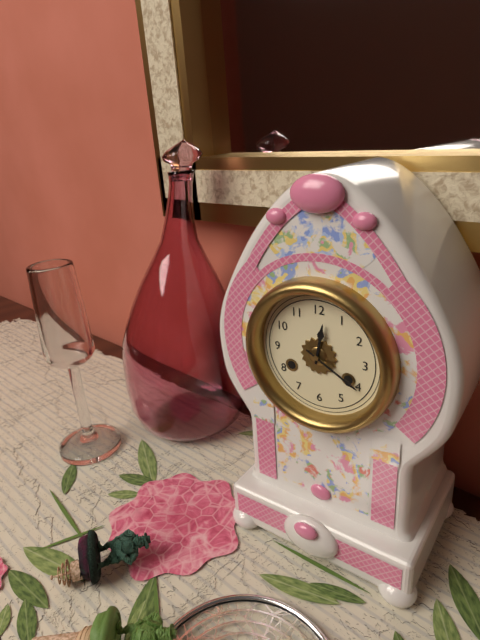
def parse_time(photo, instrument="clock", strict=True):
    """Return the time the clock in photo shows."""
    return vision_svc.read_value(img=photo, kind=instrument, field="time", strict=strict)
12:20
